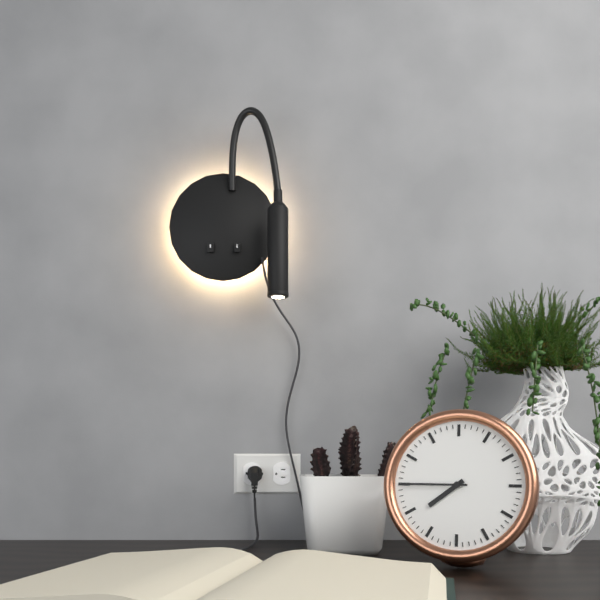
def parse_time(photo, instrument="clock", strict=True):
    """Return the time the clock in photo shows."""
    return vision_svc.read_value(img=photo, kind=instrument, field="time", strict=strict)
7:45
